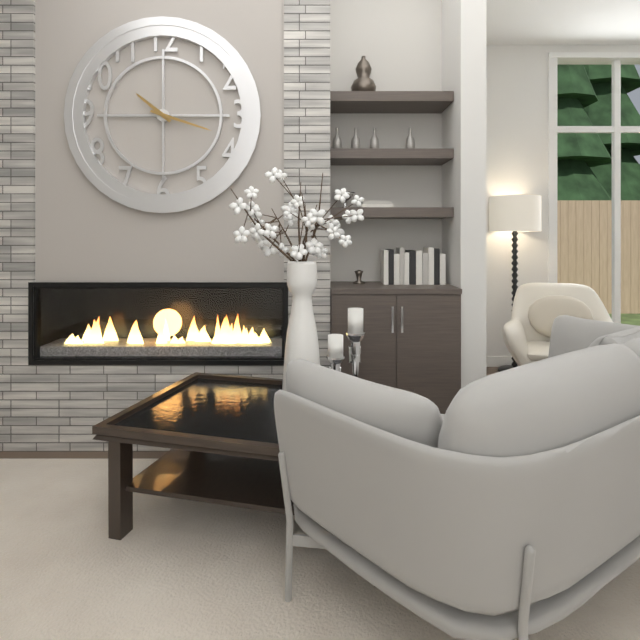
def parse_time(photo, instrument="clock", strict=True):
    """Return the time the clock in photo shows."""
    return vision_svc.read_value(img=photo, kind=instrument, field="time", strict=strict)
10:18
